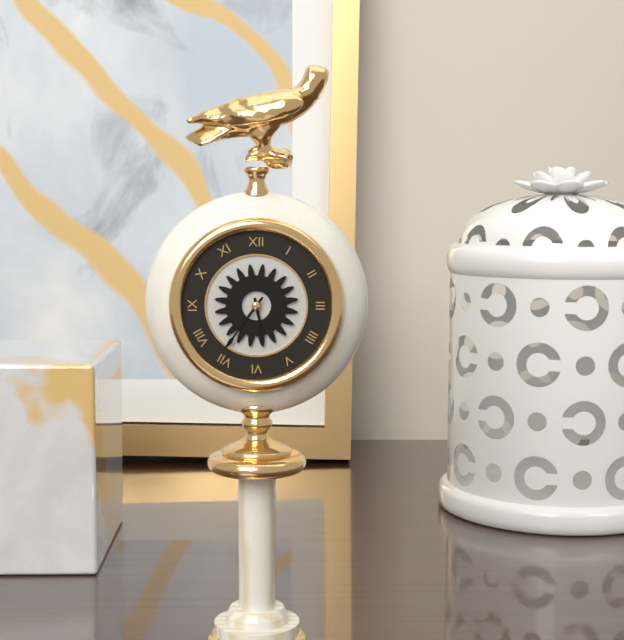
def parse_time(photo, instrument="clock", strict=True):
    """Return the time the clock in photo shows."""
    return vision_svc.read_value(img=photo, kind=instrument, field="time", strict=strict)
5:36
